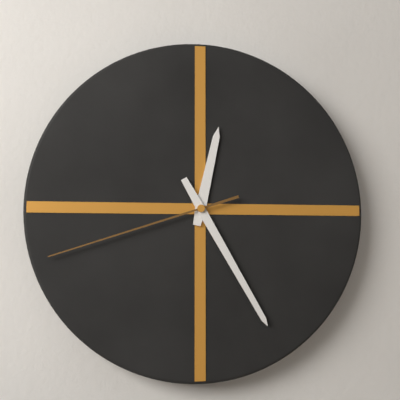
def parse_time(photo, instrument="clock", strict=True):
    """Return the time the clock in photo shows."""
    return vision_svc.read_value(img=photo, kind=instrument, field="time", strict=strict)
12:25:42
